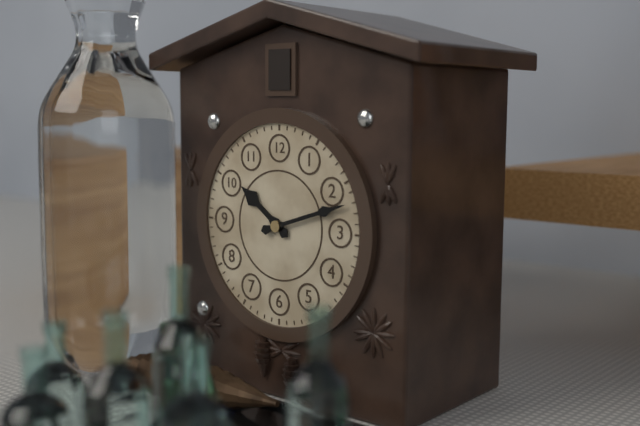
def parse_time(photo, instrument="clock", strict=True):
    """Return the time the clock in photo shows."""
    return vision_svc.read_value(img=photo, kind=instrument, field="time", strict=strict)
10:12
